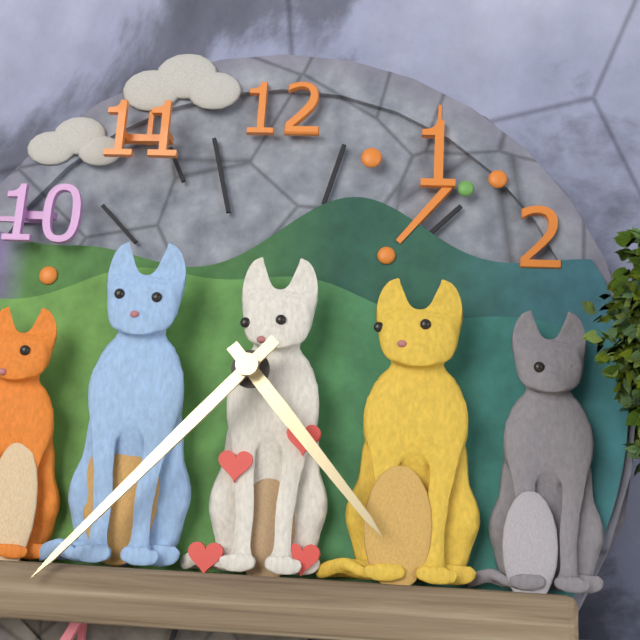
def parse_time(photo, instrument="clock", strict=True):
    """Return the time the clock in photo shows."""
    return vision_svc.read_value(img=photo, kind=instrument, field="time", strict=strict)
4:37
